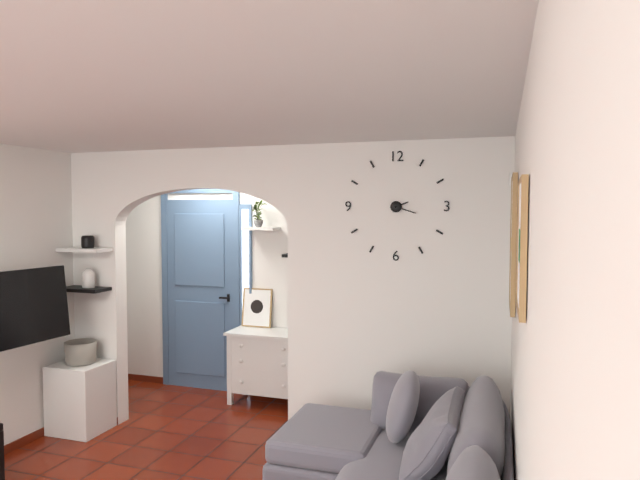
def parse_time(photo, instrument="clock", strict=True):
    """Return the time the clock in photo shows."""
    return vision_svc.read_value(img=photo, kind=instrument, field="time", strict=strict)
2:18
